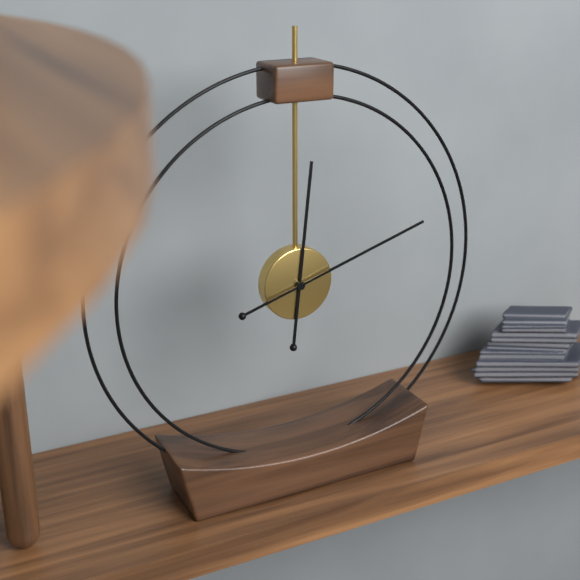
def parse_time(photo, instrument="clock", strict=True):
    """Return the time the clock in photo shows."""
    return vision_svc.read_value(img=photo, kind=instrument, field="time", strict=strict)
12:12
